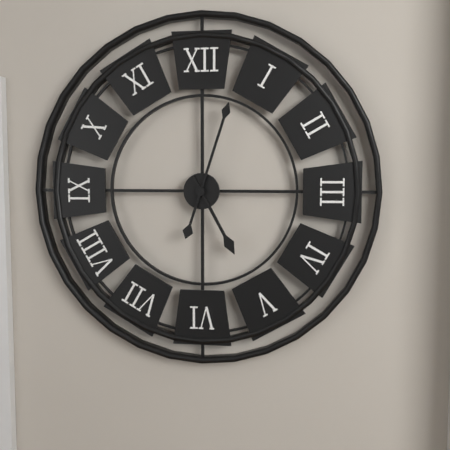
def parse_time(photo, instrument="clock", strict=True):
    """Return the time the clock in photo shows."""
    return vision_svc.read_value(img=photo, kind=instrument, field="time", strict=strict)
5:03
